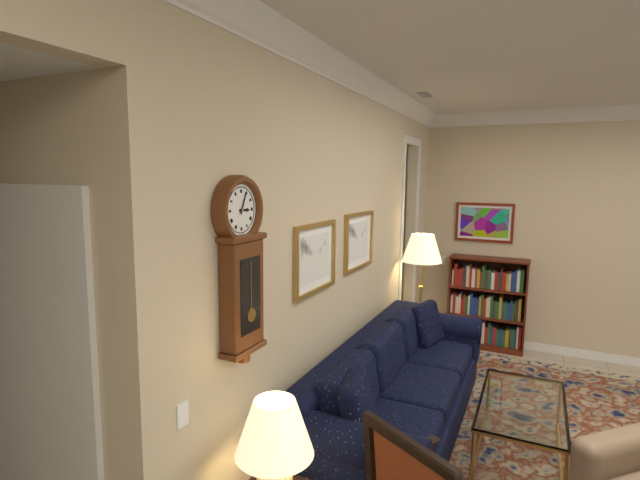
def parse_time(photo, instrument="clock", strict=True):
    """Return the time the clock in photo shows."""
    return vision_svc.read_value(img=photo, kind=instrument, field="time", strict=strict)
3:04
